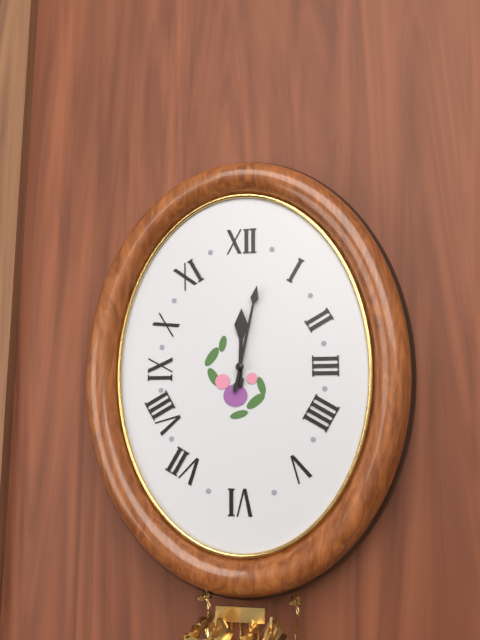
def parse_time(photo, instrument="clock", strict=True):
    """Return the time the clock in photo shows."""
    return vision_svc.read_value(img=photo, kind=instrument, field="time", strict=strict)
12:02
